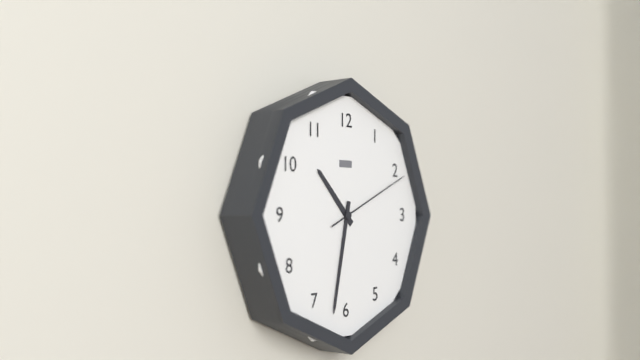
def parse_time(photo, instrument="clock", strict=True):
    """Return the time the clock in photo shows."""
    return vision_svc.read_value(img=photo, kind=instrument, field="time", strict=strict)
10:32:11
